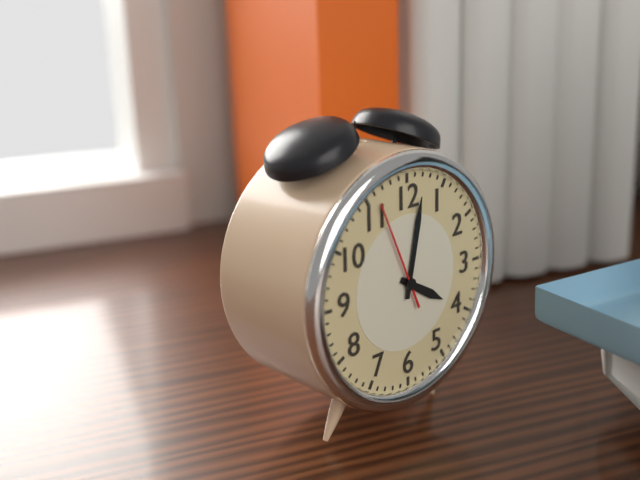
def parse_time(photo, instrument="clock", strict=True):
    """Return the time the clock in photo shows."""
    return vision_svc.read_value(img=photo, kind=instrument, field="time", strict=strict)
4:02:56
